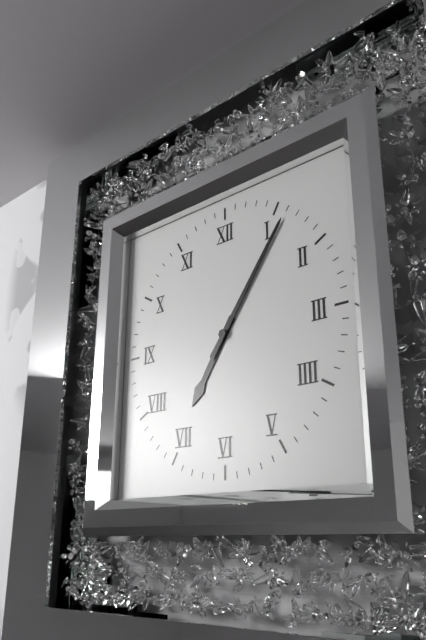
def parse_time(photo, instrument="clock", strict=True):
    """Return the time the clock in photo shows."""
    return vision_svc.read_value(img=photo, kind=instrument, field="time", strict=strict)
7:06
